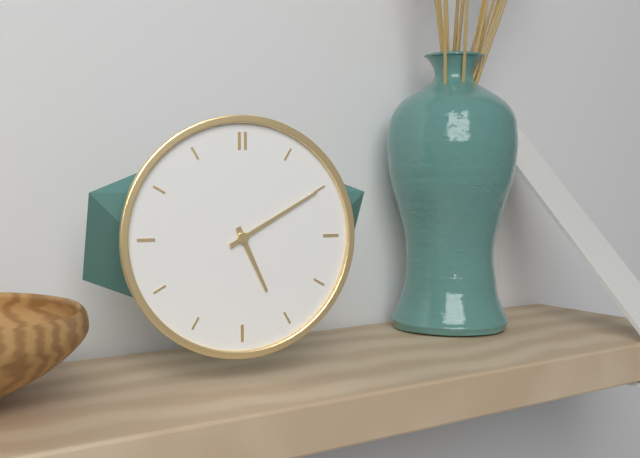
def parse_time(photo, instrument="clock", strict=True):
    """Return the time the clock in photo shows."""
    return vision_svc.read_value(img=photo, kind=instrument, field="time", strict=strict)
5:10
